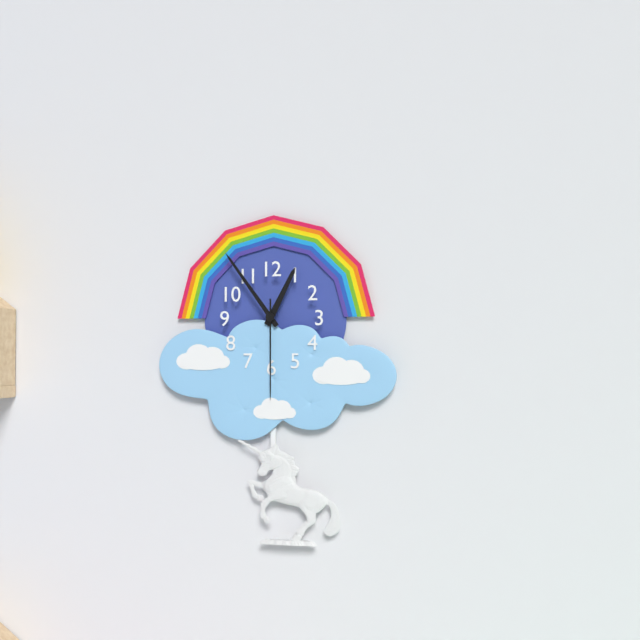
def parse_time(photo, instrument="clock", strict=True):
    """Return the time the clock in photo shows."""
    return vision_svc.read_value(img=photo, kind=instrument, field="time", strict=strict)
12:54:30
